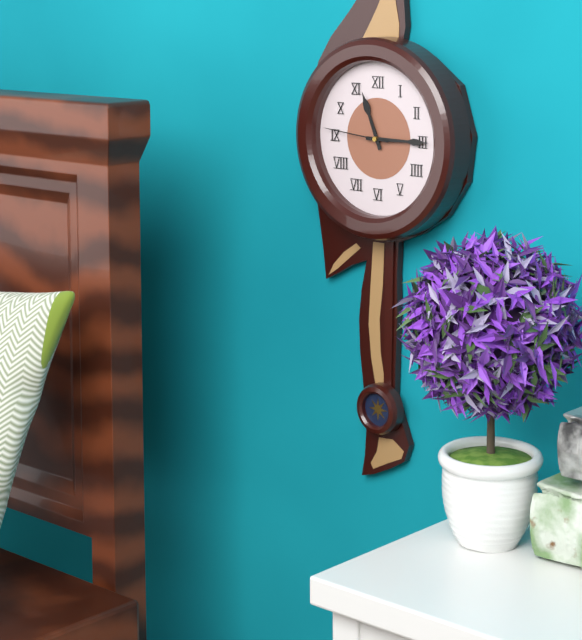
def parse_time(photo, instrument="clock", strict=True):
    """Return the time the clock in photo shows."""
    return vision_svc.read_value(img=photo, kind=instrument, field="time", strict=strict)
11:15:46
